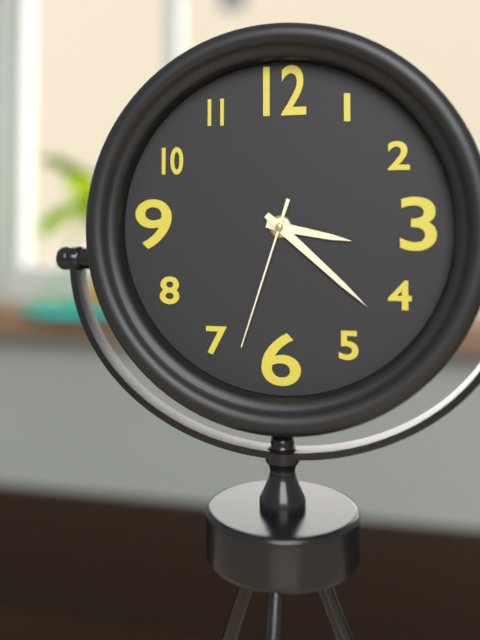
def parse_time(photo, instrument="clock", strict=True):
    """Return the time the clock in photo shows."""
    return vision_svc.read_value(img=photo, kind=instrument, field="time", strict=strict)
3:22:33
